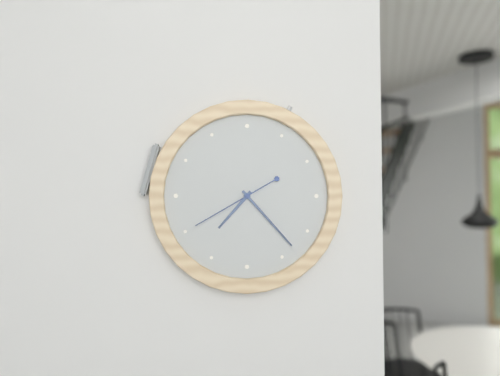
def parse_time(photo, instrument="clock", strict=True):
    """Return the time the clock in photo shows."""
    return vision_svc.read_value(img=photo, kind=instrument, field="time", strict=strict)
7:23:40
